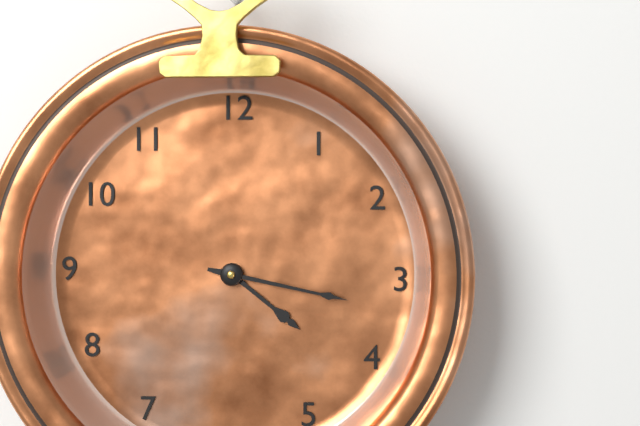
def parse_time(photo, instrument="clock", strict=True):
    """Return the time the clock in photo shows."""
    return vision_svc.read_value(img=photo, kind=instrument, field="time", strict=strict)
4:17
